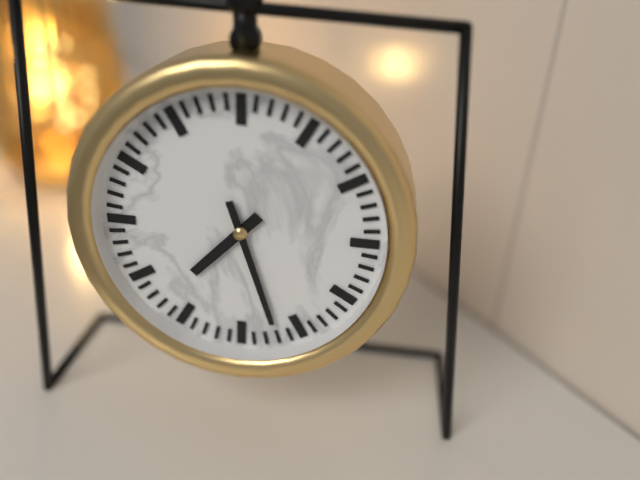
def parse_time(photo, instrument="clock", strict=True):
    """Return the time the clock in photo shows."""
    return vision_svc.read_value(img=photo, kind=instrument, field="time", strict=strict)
7:27
